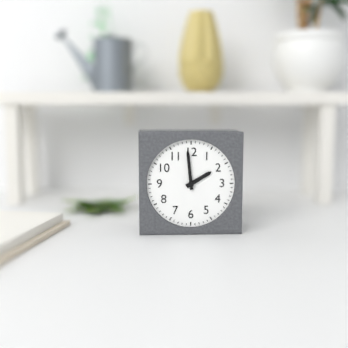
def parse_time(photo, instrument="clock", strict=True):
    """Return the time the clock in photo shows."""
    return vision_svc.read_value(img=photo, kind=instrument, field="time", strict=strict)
1:59
